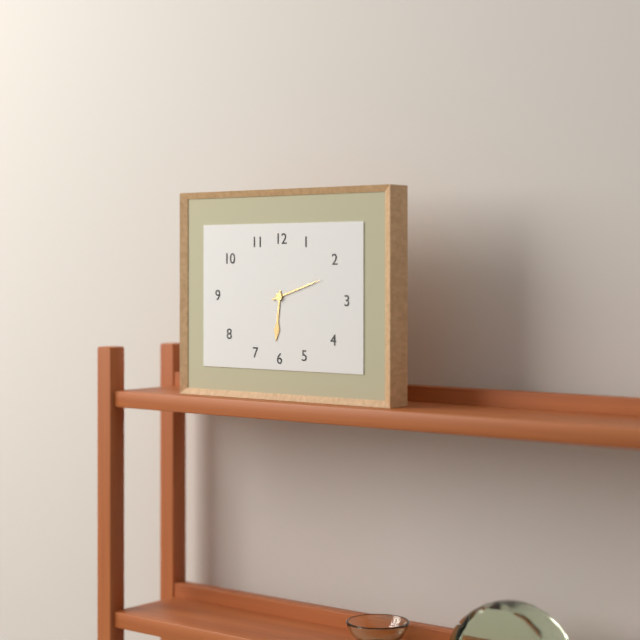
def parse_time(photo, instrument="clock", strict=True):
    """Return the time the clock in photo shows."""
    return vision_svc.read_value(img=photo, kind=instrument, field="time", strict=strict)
6:12
